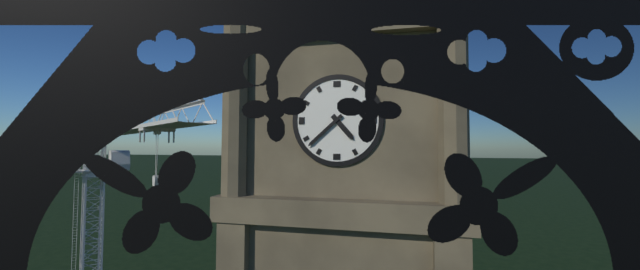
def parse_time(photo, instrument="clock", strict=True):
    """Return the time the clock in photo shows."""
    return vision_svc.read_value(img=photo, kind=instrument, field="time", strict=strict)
4:38
